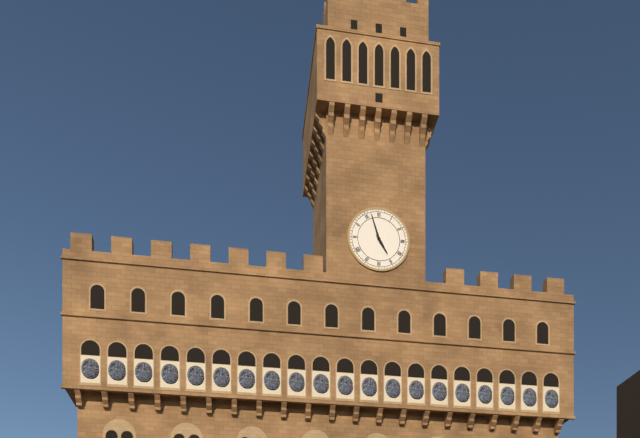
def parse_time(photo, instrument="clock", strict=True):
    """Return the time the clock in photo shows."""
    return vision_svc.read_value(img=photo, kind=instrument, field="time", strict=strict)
4:57
